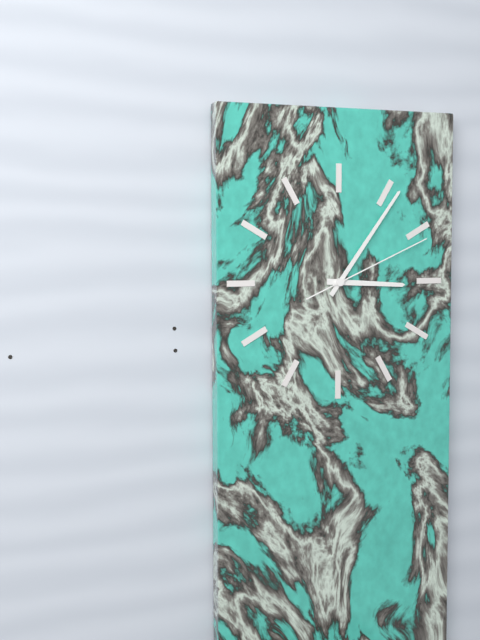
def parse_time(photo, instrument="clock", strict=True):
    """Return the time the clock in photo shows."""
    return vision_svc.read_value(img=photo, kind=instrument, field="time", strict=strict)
3:06:11
